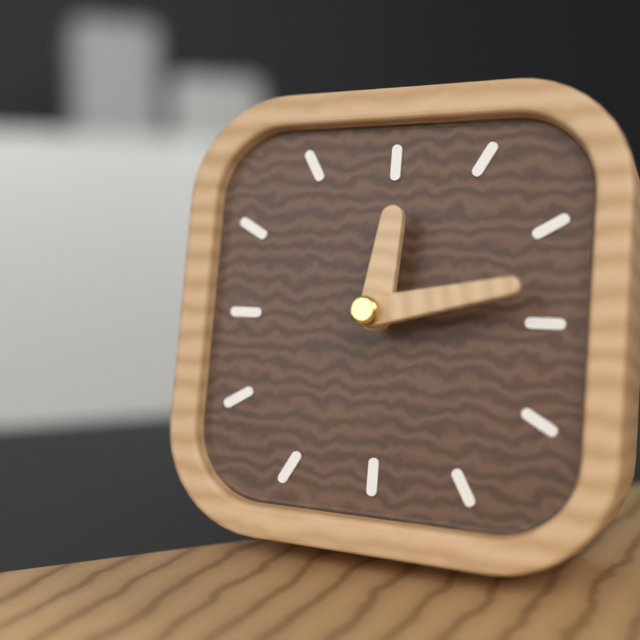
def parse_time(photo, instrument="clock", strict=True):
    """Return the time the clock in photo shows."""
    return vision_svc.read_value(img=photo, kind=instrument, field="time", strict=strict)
12:13
